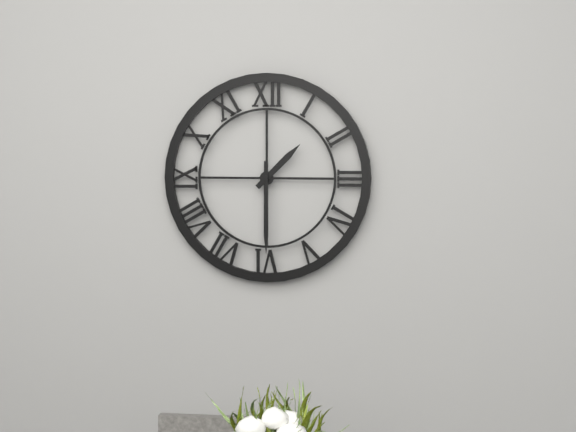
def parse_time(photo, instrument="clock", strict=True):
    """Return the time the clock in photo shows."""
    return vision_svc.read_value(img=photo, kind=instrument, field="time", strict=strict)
1:30
